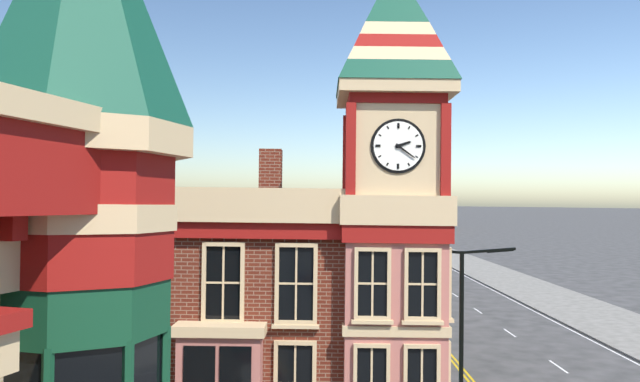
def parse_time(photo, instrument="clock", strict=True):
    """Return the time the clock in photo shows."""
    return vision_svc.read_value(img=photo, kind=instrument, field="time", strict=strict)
2:21
